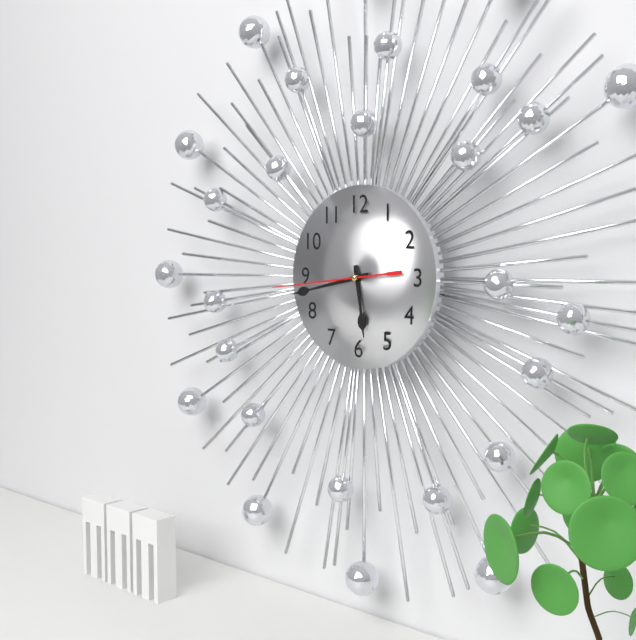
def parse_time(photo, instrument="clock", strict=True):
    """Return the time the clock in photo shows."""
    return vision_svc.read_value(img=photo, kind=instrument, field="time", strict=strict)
5:43:44
